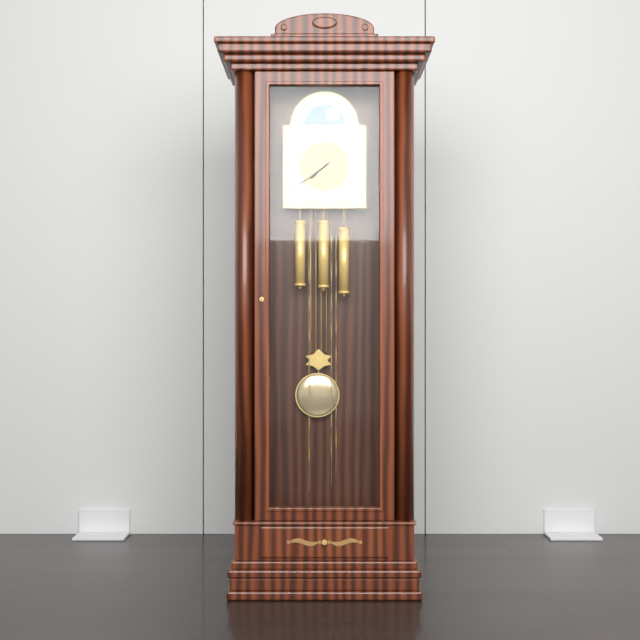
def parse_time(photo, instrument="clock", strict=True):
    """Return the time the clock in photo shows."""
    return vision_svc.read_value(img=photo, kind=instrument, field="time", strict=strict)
7:39
